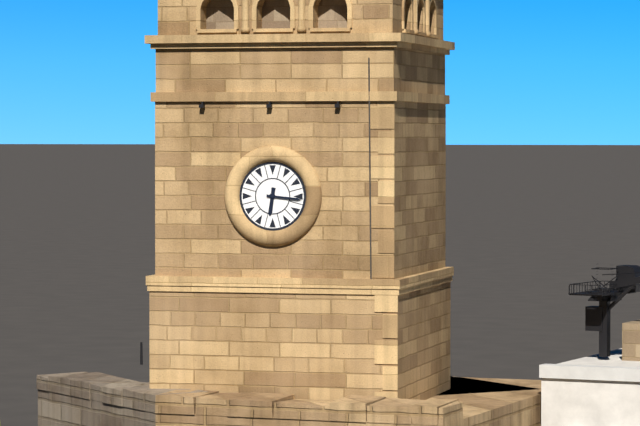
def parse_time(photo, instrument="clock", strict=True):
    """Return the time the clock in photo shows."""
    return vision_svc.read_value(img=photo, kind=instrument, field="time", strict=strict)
6:16
